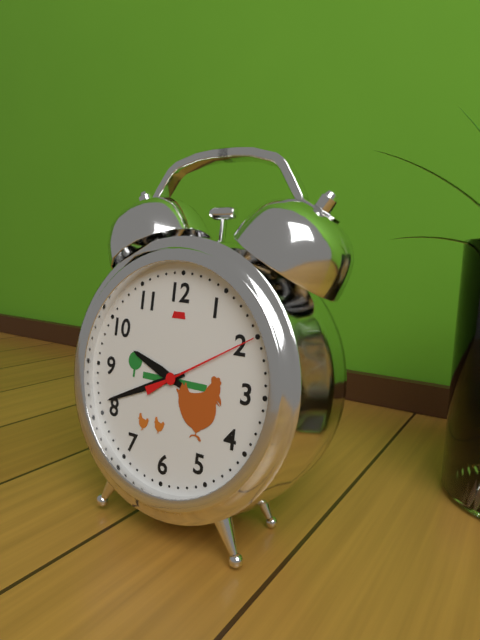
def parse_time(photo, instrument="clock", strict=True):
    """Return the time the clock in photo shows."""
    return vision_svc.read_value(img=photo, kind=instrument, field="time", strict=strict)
9:41:10
